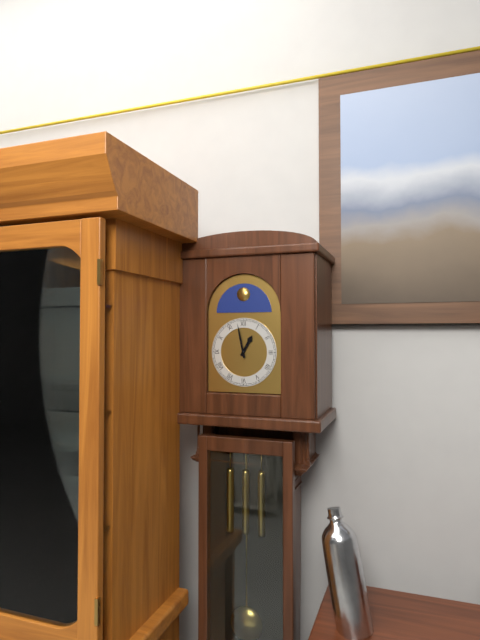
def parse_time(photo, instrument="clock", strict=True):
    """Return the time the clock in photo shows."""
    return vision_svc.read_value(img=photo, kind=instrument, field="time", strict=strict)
12:58
